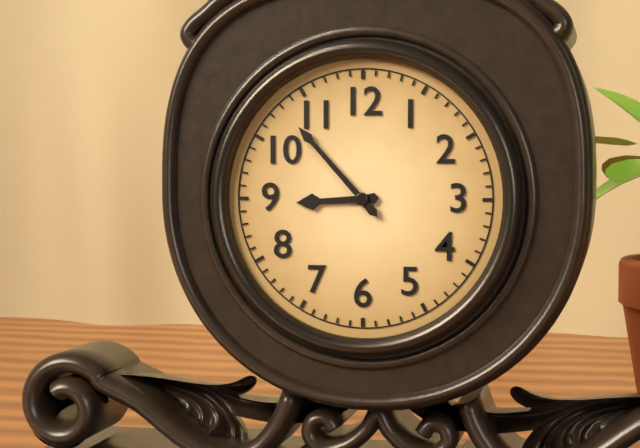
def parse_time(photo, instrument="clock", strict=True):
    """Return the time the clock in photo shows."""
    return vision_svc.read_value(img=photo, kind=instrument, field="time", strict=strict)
8:53
